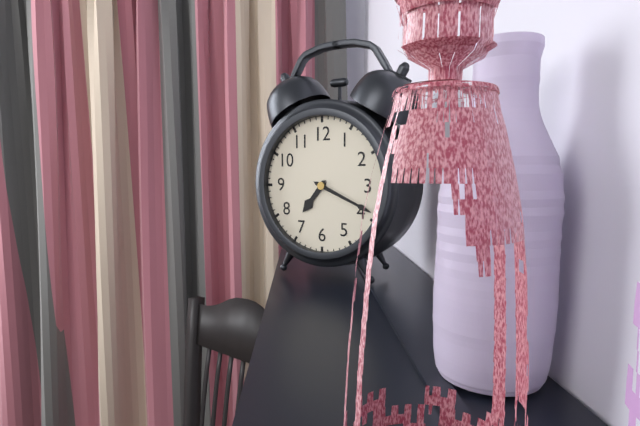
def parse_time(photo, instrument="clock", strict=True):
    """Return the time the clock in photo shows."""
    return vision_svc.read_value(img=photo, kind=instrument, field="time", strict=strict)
7:19
